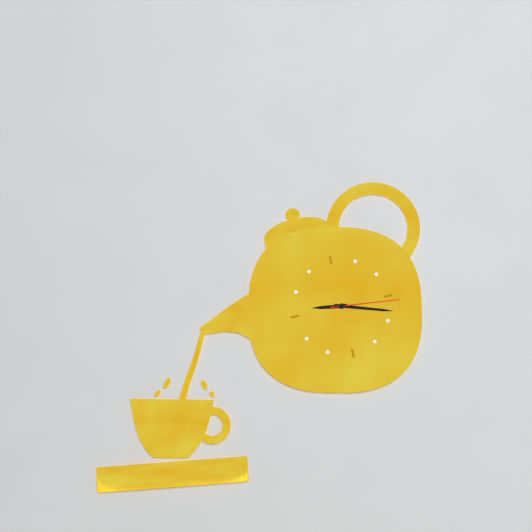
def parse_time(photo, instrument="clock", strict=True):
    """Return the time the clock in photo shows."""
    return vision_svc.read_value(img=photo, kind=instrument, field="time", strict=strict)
9:18:16
